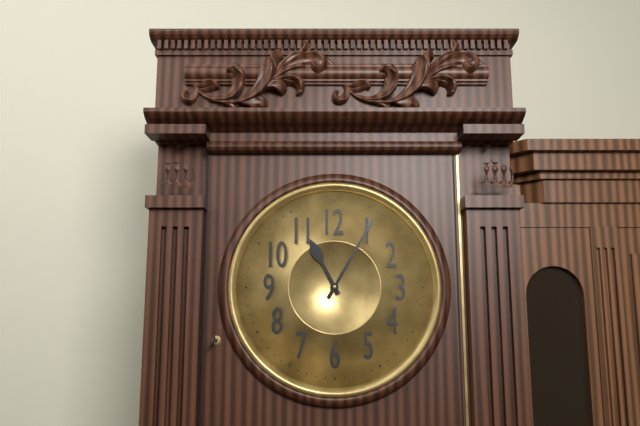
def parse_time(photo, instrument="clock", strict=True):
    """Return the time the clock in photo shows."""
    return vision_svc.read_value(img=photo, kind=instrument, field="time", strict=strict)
11:05
